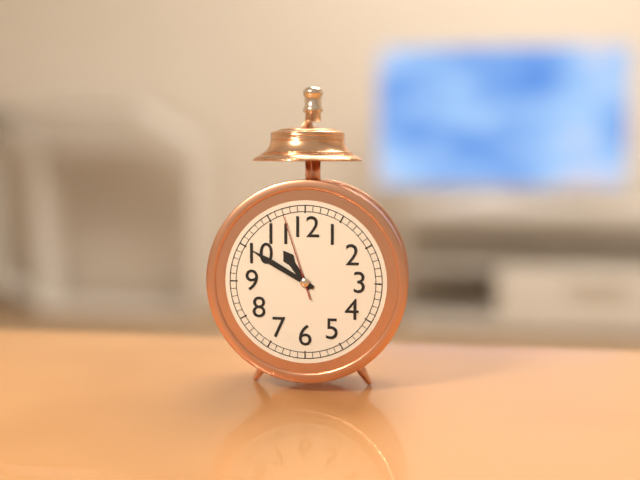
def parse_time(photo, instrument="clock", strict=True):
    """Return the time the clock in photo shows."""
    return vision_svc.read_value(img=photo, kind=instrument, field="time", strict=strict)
10:50:57
